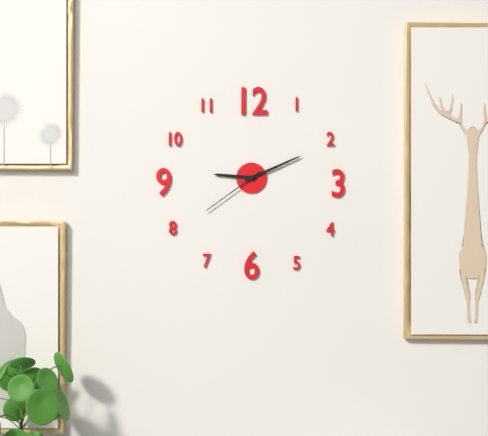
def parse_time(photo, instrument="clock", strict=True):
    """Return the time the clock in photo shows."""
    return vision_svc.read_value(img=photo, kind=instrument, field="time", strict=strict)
9:11:39
